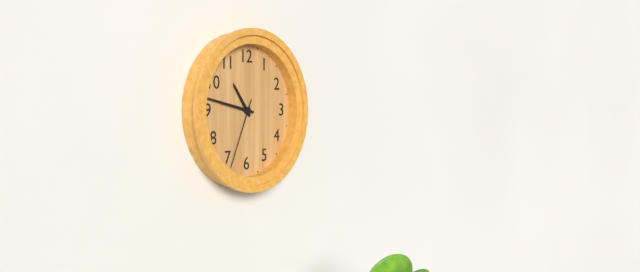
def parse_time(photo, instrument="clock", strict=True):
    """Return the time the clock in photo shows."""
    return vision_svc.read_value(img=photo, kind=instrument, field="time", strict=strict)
10:47:34
